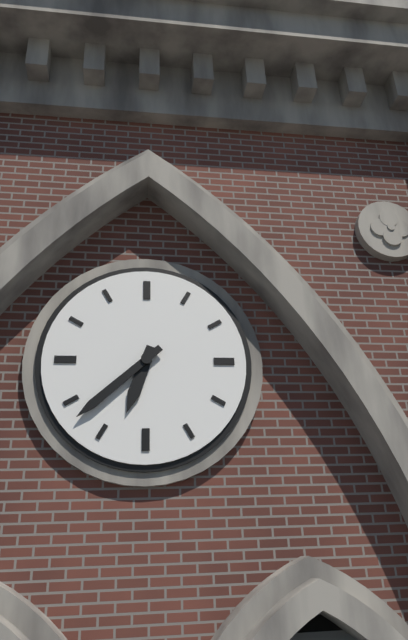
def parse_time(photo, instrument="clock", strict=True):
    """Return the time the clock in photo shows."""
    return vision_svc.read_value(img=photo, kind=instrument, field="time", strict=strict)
6:38
